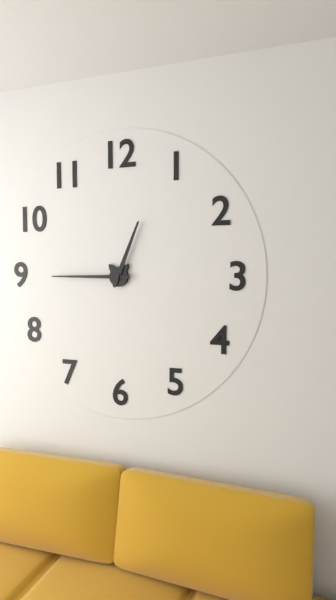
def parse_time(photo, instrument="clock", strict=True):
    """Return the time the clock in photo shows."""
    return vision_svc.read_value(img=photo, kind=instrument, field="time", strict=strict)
12:45
